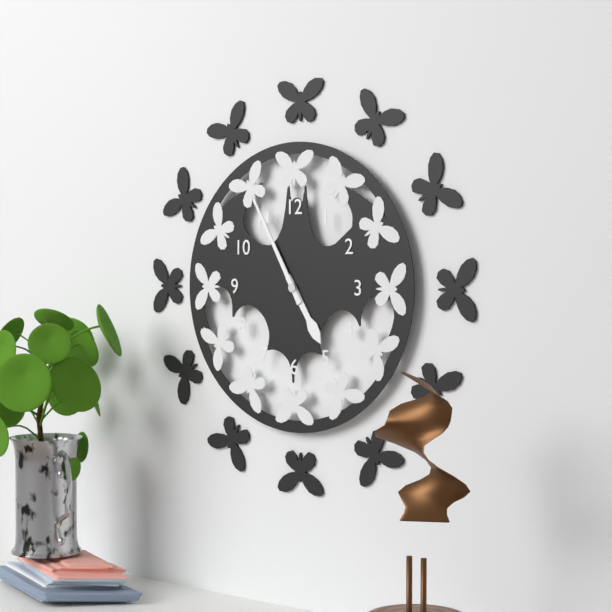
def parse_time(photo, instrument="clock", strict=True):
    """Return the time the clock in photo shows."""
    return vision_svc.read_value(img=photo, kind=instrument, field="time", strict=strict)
4:55
